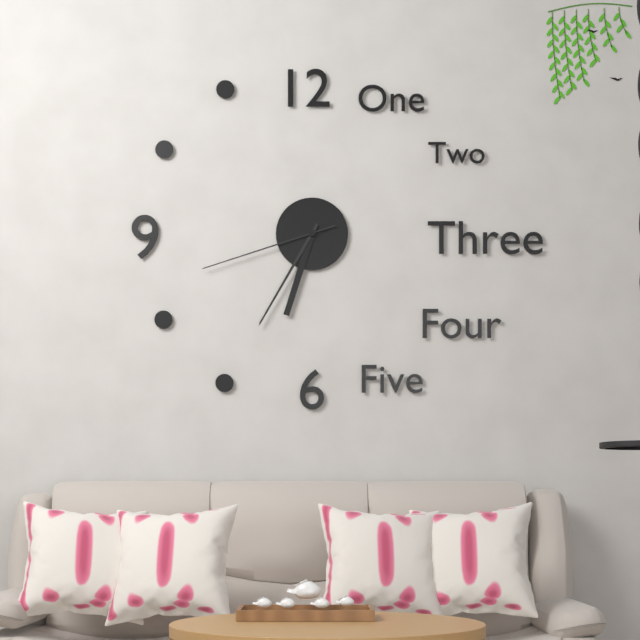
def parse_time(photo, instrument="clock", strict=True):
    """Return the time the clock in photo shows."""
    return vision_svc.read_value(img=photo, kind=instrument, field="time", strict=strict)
6:35:42
